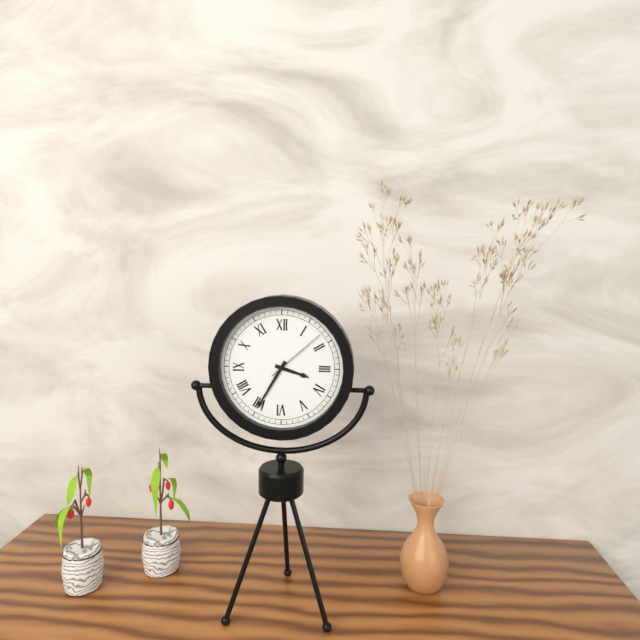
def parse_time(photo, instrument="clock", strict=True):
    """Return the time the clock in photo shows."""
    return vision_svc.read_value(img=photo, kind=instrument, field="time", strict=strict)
3:35:08
